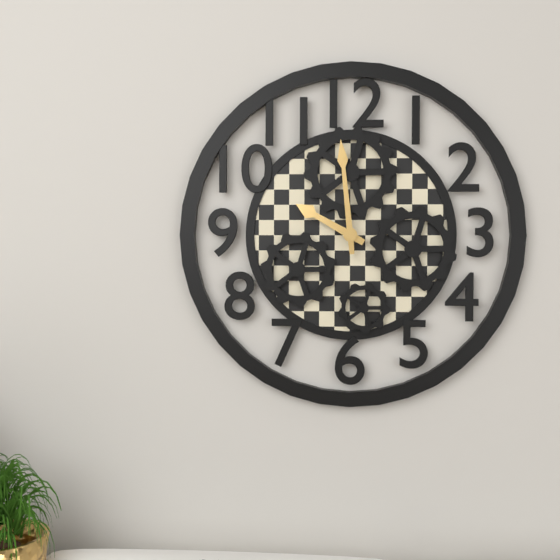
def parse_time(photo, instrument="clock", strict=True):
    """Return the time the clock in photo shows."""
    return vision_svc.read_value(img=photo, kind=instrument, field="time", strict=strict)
9:59
